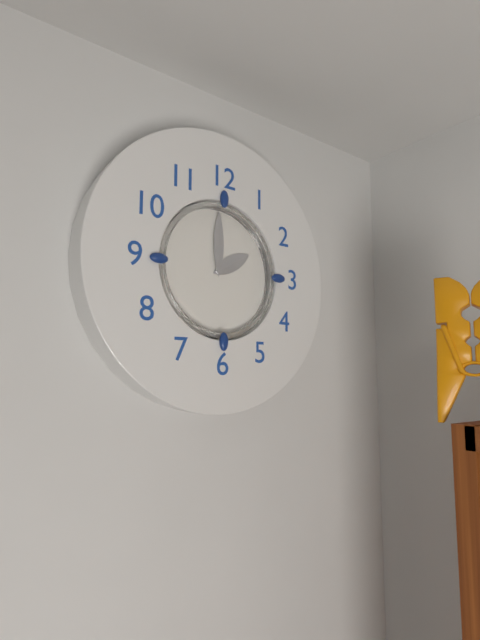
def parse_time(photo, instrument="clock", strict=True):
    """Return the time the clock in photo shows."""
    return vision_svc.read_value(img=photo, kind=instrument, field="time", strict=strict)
2:00
